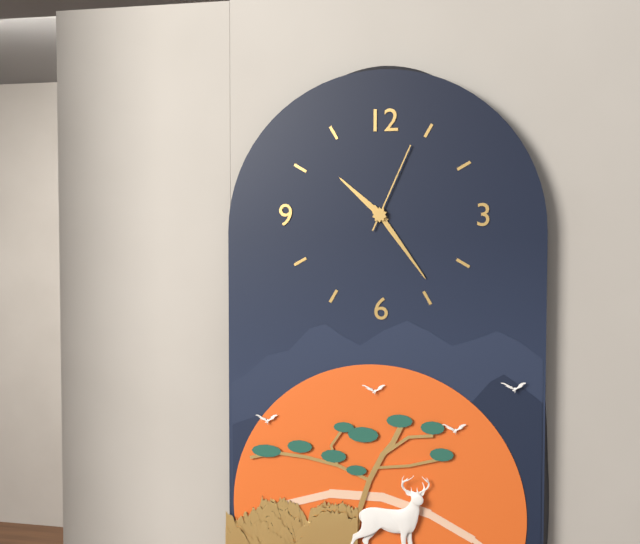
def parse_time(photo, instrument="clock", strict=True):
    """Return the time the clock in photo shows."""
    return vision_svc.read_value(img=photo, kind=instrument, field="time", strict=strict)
10:24:04
